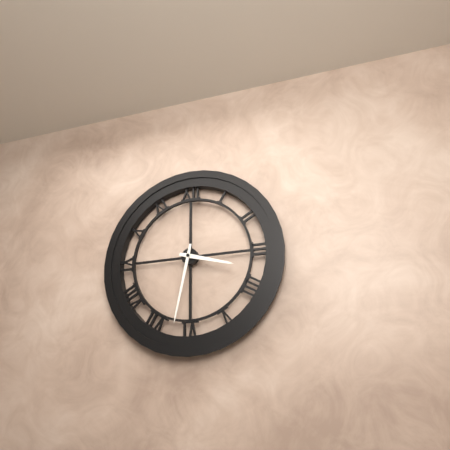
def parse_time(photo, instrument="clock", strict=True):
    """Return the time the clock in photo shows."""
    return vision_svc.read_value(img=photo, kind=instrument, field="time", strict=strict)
3:32
